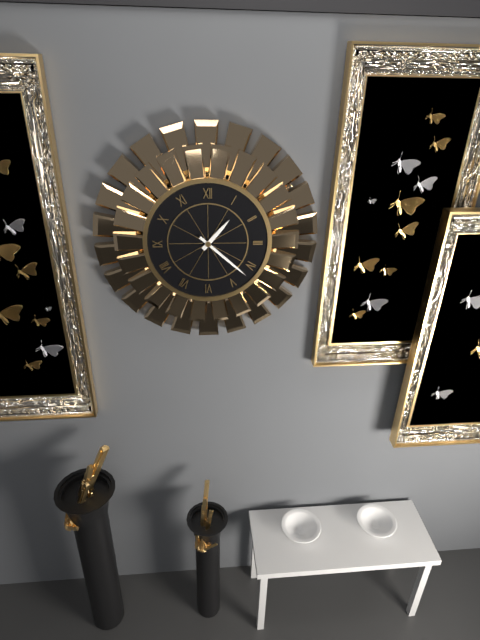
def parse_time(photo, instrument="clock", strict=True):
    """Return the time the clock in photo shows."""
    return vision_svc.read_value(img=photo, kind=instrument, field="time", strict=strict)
1:22
